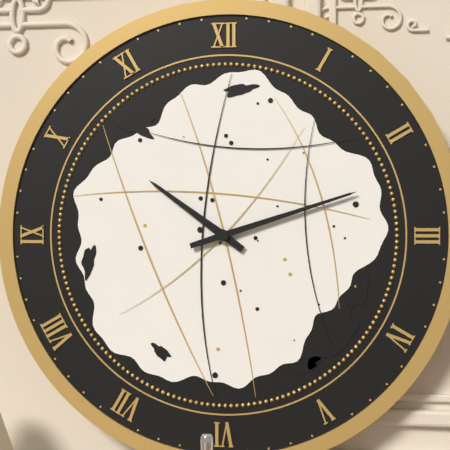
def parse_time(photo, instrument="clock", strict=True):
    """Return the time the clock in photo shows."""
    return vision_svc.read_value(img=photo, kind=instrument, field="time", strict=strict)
10:12
